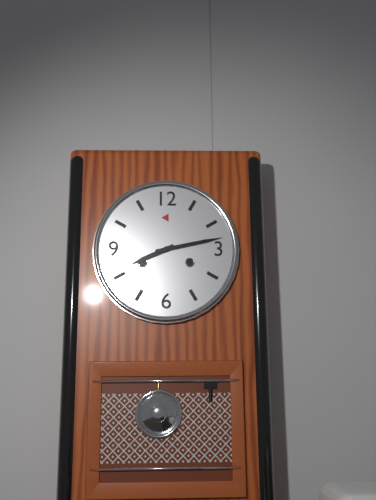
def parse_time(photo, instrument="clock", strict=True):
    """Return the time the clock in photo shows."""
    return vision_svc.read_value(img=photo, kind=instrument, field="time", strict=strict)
8:13
